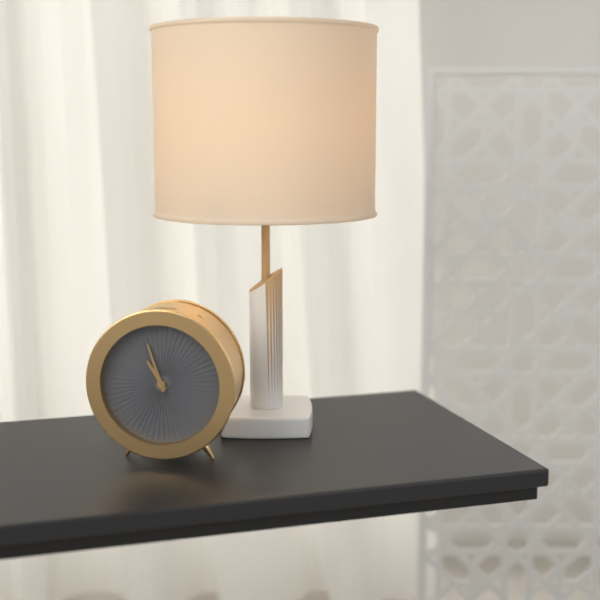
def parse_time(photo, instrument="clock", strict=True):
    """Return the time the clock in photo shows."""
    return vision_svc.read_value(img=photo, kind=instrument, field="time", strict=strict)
10:57
